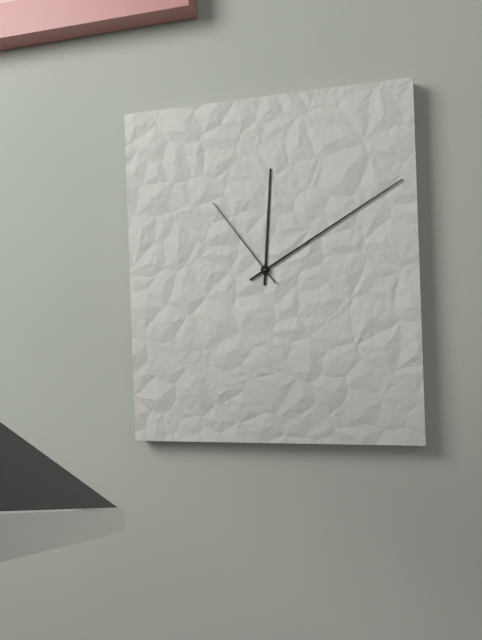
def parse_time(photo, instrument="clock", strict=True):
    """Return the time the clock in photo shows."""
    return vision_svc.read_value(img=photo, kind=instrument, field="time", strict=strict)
12:10:54
